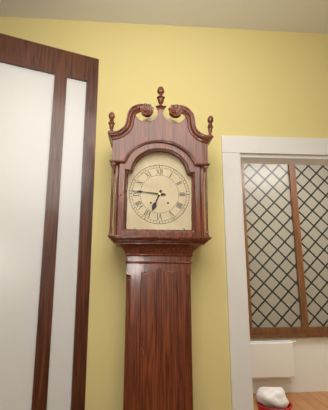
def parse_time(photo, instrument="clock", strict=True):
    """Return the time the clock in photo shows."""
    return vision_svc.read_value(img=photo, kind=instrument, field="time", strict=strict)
6:46
